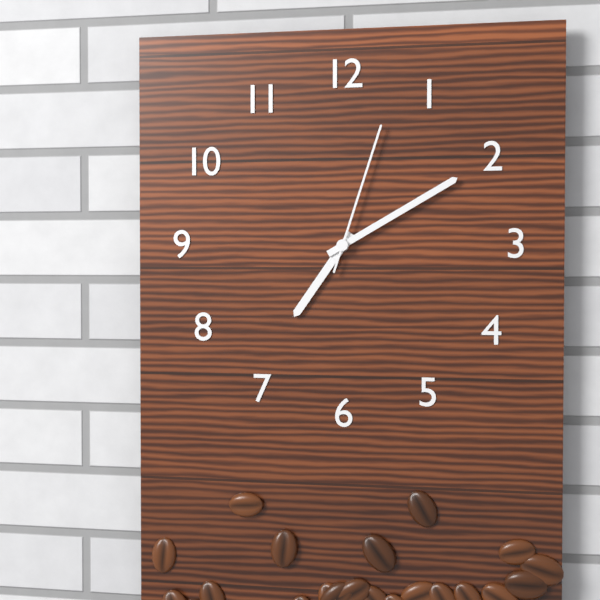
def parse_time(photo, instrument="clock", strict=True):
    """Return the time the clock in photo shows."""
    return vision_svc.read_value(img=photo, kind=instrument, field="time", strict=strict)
7:10:03
